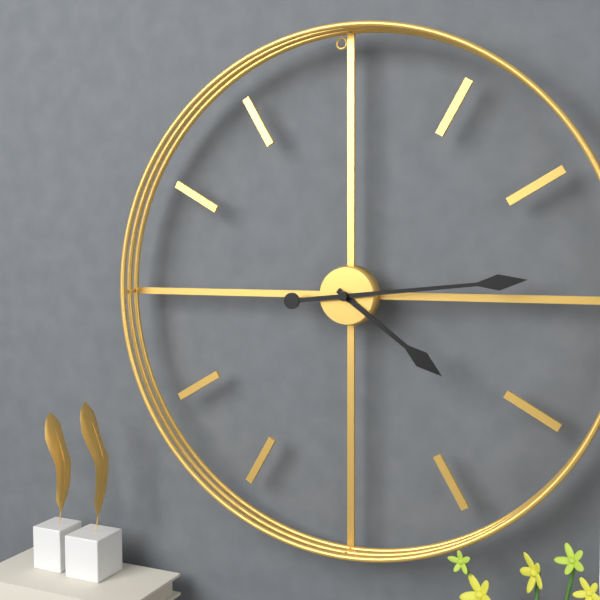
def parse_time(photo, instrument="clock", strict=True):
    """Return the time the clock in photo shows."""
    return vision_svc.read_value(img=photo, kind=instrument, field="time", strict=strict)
4:14
